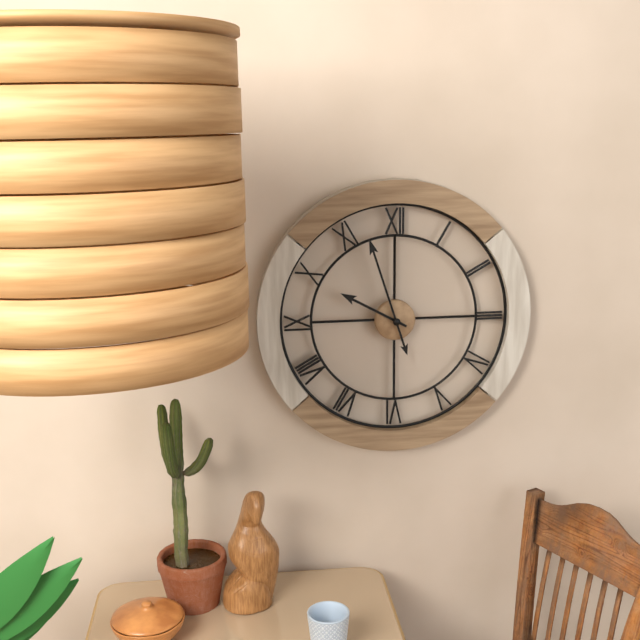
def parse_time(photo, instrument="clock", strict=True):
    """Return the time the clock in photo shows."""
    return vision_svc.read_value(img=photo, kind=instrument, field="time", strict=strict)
9:57
